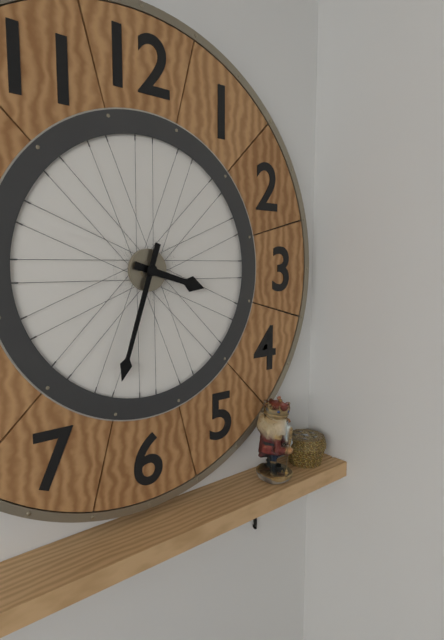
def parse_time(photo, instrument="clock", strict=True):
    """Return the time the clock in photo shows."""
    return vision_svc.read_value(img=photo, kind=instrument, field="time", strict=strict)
3:33
